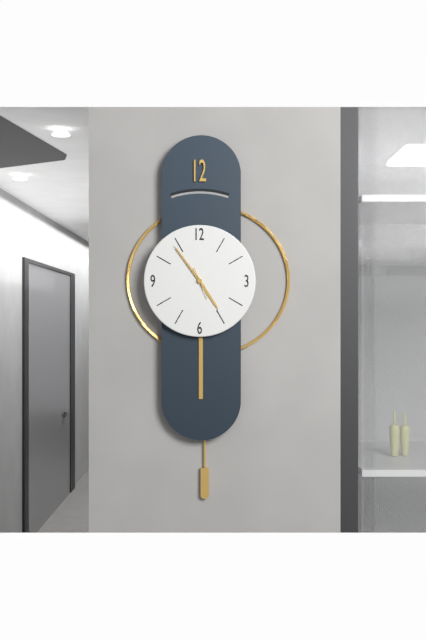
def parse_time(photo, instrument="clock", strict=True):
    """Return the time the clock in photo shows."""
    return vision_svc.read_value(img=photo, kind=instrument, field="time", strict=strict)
4:54
